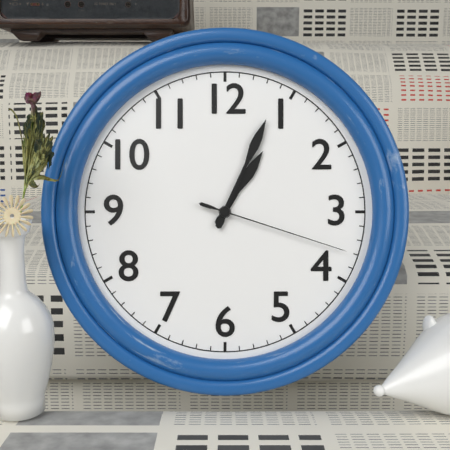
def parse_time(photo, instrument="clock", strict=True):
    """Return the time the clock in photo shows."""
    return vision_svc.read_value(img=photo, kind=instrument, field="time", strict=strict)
1:04:18
